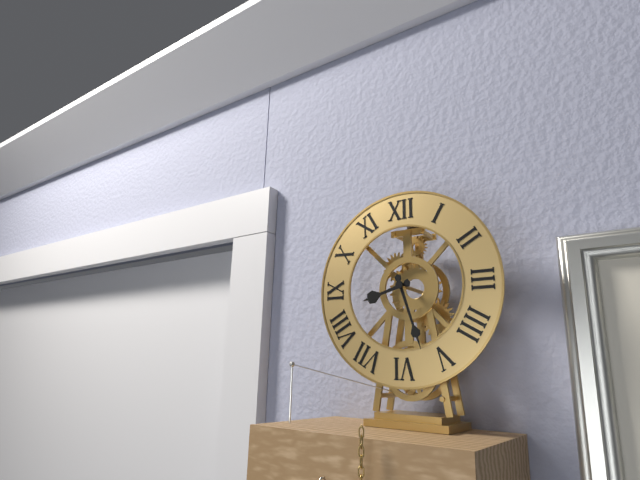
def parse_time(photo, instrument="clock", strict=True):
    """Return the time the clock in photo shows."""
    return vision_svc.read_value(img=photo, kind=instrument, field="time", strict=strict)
8:27
